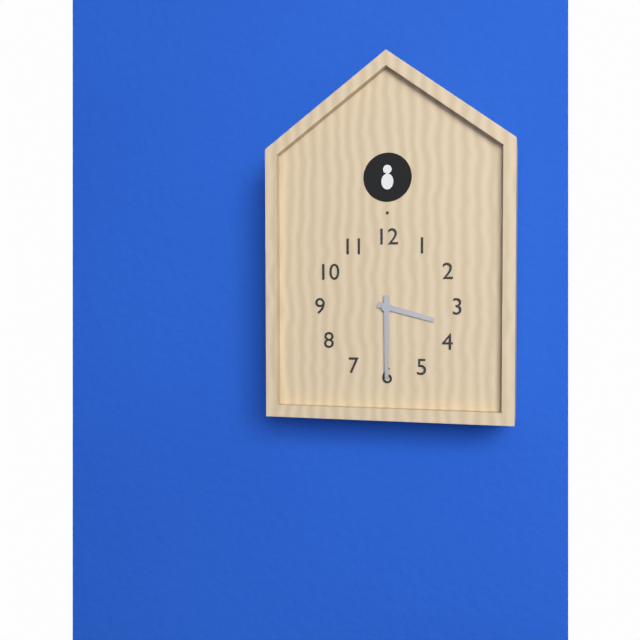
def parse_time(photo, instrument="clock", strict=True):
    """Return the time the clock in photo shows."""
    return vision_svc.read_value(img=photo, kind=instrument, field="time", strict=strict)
3:30
